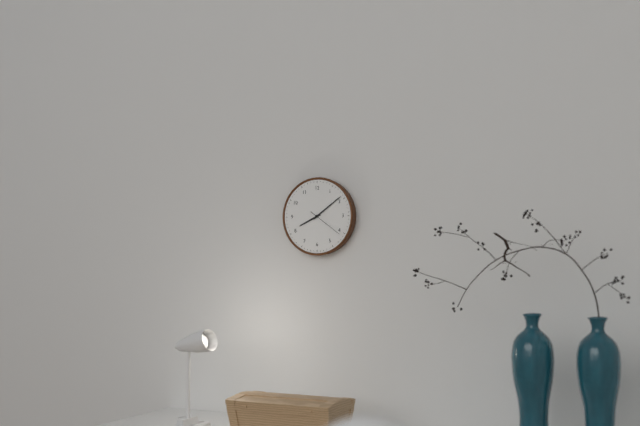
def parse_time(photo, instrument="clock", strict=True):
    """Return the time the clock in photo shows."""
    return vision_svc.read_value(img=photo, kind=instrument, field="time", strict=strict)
8:09
